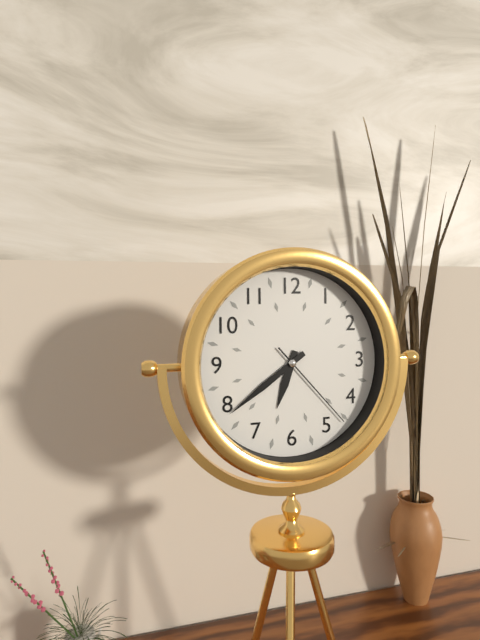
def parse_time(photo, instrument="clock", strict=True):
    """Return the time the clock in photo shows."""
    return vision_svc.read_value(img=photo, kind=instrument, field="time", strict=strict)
6:39:23
